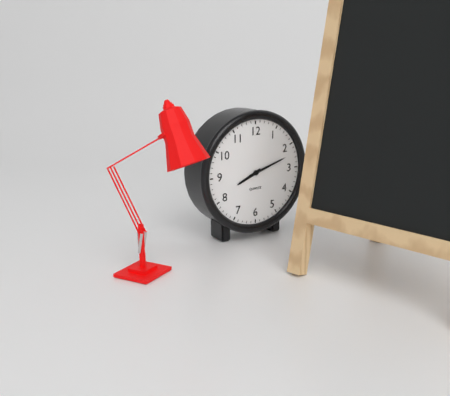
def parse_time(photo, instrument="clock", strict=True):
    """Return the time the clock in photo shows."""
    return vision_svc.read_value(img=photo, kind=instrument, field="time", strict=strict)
8:12
